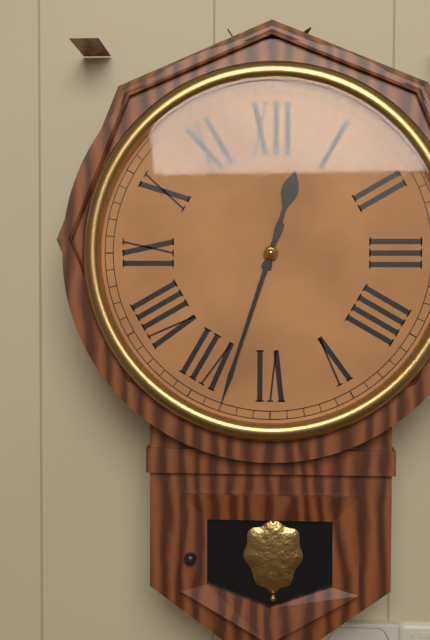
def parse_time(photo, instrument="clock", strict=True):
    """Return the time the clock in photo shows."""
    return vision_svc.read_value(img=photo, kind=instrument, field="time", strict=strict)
12:33
